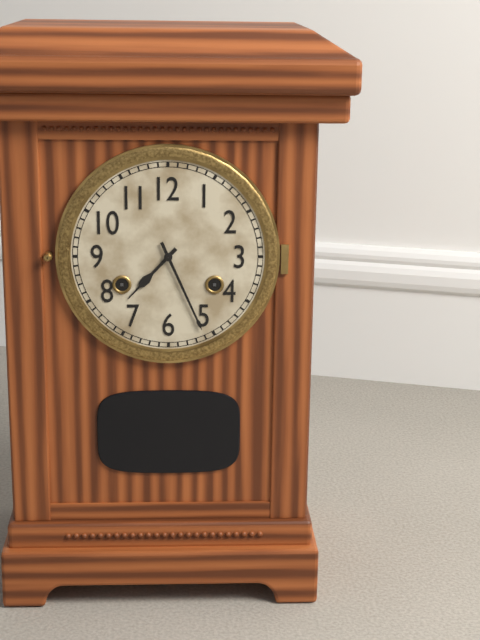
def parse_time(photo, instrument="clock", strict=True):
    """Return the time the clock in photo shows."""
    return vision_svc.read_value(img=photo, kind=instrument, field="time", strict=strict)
7:26
